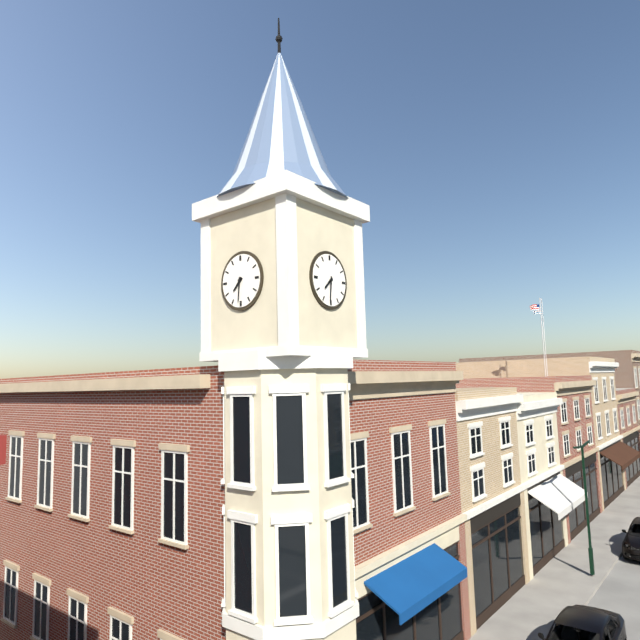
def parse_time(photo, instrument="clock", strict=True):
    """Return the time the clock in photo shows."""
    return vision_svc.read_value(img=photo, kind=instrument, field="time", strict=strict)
7:31
